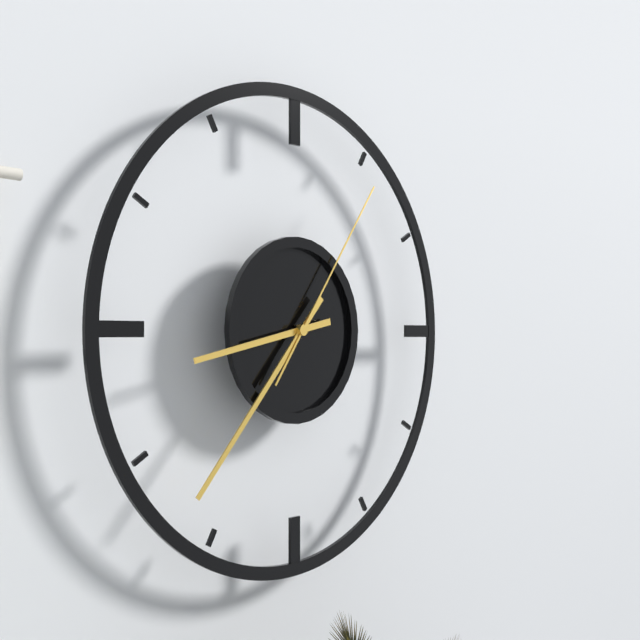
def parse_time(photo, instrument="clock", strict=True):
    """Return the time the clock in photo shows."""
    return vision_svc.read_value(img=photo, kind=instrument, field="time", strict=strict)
8:37:06
